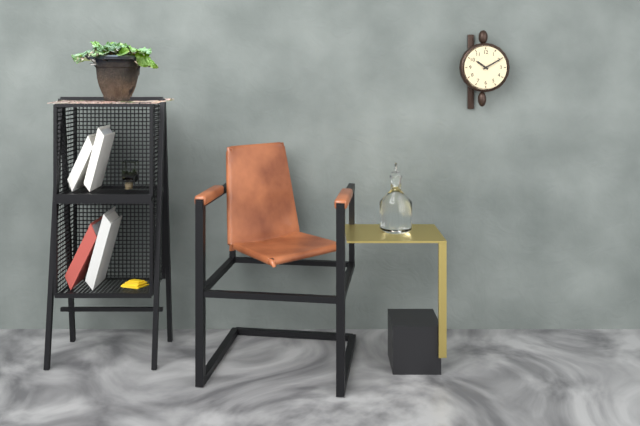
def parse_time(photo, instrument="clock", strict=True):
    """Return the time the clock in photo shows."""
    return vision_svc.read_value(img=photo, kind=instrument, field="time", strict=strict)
10:10
